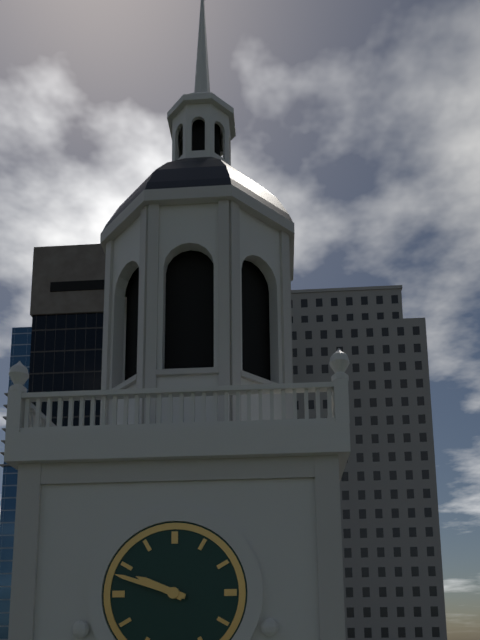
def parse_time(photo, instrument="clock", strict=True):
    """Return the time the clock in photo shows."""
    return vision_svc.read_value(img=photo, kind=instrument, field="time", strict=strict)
9:48
